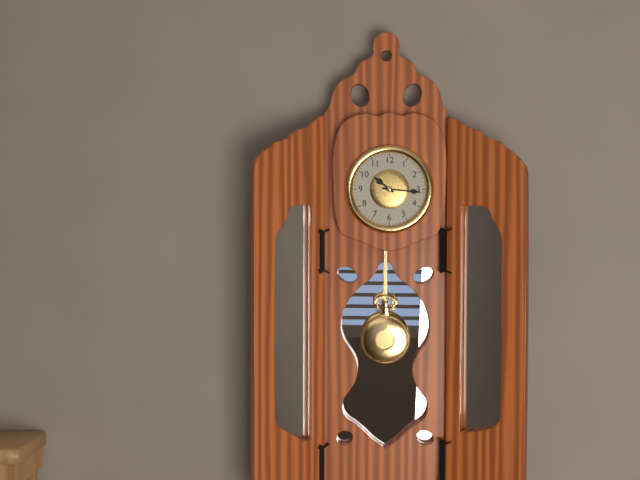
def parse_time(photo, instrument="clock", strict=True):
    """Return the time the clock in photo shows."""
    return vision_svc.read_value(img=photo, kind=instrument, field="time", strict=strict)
10:16
